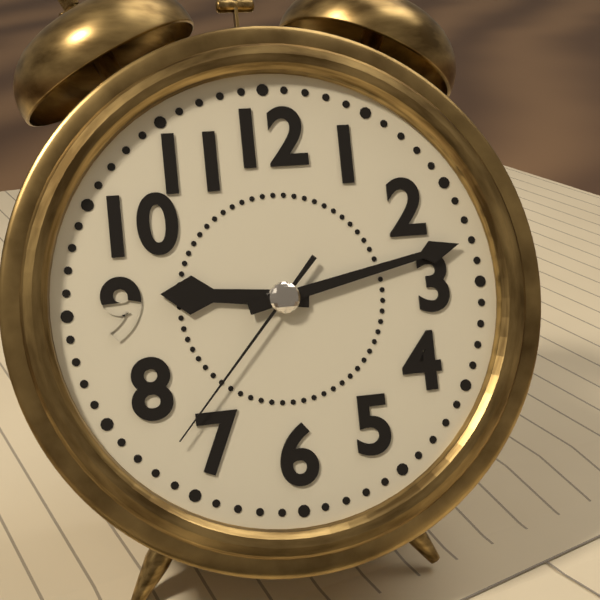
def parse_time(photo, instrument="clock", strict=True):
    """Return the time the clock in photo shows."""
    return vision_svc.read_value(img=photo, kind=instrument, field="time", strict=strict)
9:13:37
